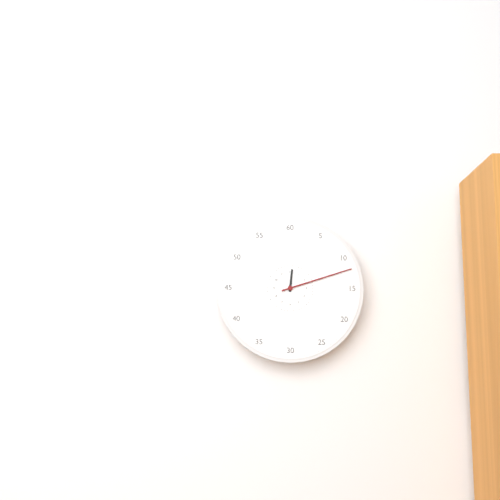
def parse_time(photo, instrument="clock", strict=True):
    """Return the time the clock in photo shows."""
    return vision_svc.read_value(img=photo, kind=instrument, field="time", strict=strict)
12:12
